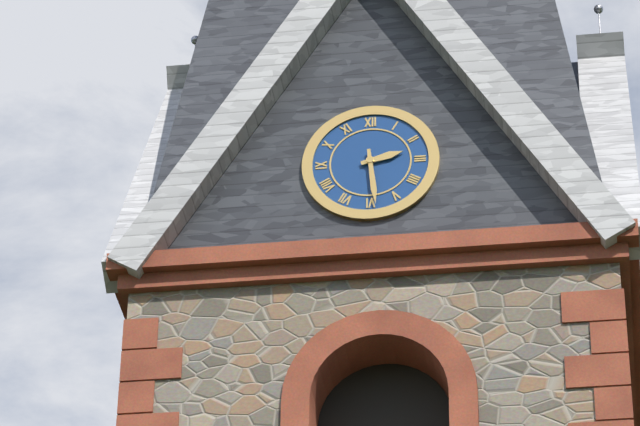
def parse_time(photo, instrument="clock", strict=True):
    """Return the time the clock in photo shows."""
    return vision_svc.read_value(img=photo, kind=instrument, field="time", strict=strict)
2:29
